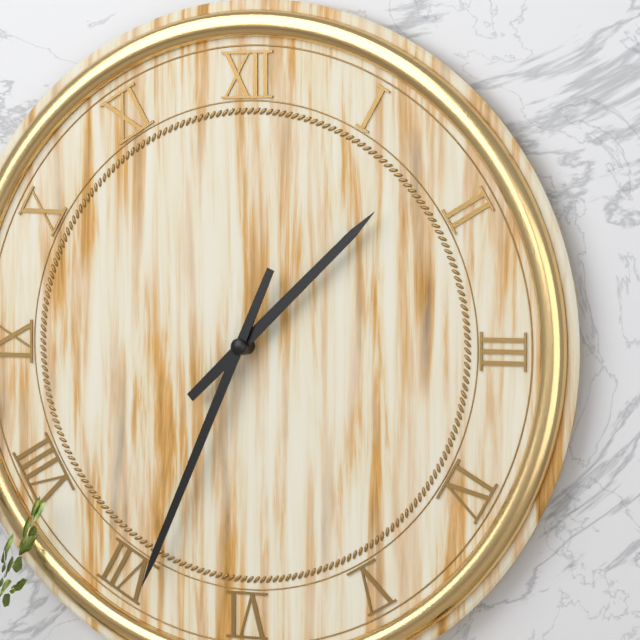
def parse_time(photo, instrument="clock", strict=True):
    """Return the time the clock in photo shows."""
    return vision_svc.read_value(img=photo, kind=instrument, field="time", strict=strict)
1:34
